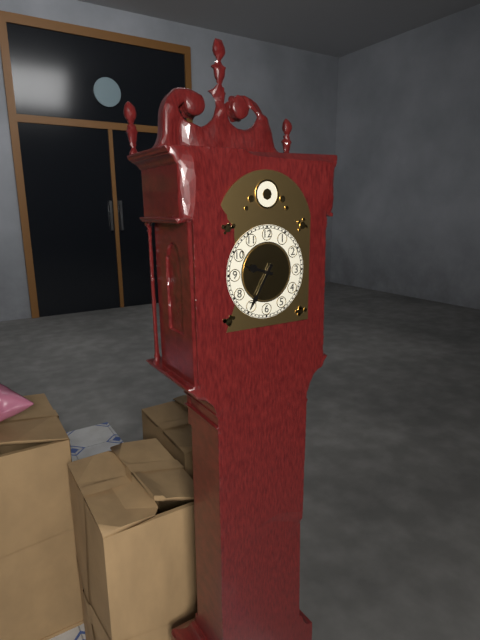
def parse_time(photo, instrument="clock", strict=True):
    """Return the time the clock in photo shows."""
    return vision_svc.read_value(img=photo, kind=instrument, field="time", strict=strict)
9:35
